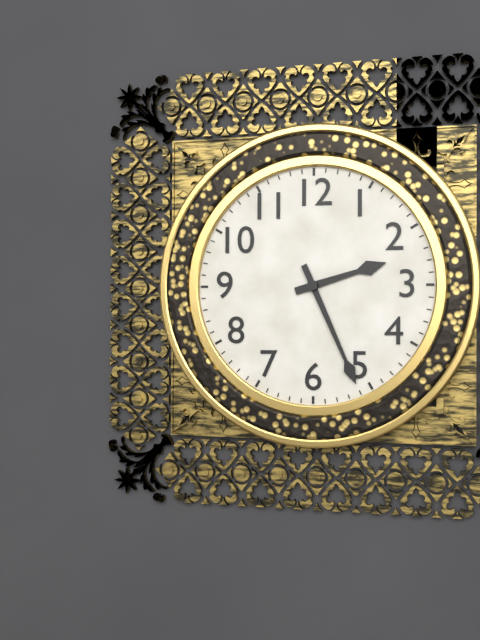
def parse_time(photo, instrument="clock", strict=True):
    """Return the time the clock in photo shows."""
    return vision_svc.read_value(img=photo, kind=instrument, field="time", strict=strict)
2:26
